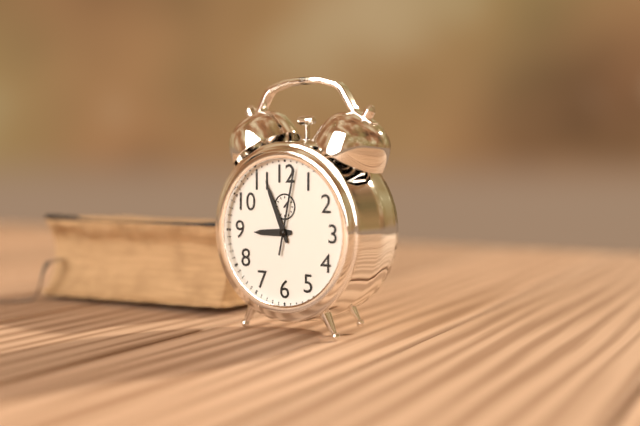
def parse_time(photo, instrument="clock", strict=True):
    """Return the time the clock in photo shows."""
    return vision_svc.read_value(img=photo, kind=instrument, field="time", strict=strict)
8:56:02
